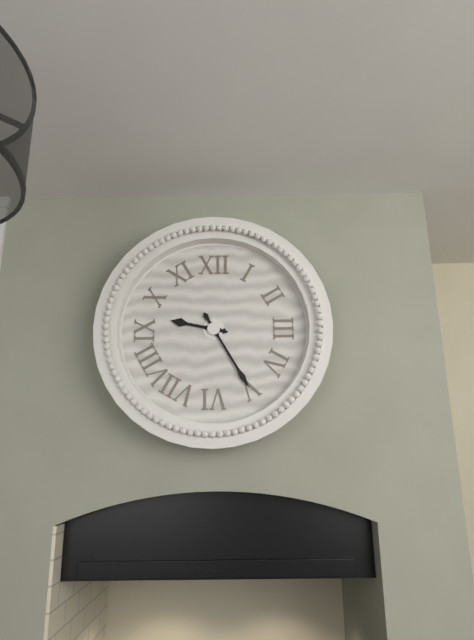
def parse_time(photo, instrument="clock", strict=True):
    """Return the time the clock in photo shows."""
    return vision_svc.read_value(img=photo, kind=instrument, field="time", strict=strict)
9:25
